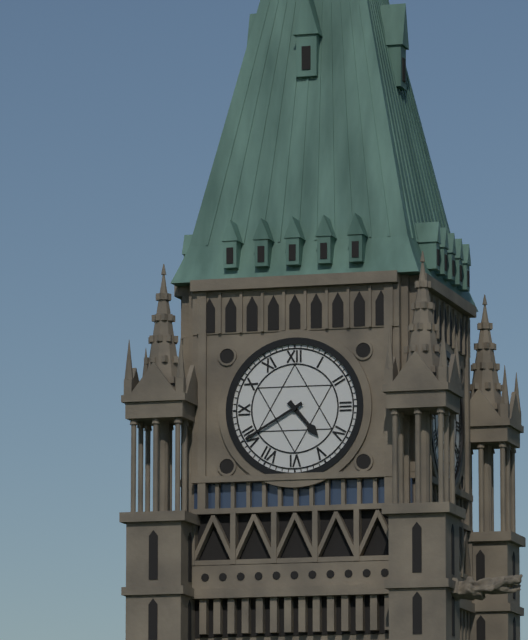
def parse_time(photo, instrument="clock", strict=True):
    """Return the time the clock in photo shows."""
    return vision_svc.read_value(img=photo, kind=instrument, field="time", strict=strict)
4:40
